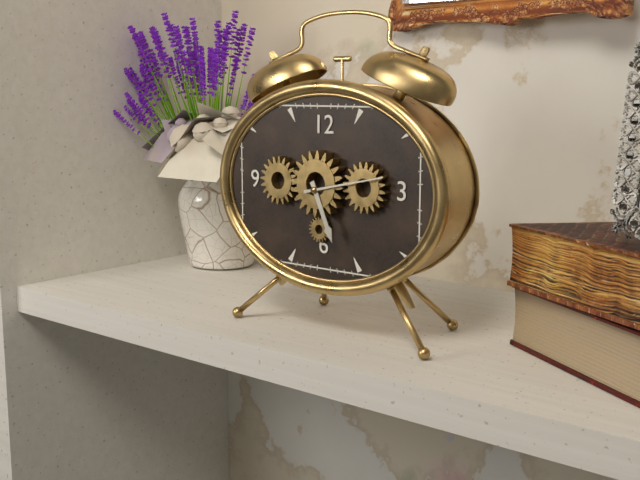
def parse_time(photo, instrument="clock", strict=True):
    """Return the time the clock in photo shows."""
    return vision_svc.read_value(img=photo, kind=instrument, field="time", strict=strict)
5:13
